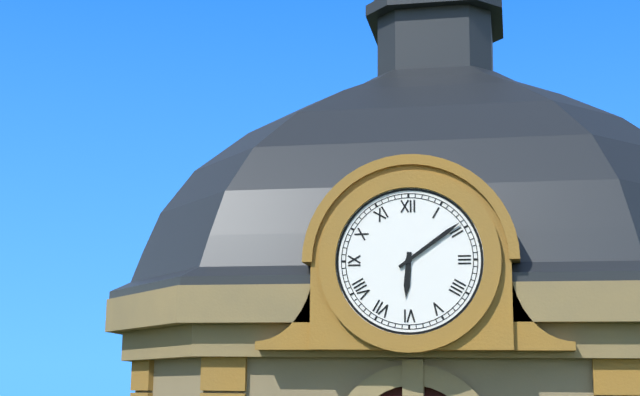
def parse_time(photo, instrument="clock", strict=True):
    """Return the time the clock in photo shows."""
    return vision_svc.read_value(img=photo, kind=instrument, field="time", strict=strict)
6:09
